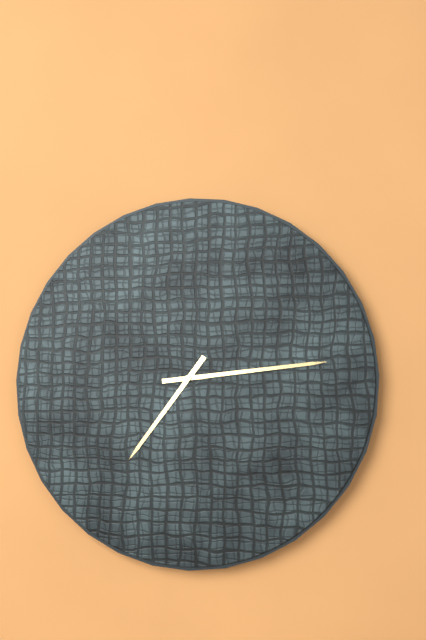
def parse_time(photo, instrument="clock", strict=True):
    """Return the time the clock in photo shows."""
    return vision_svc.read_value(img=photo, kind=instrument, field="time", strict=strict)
7:14
